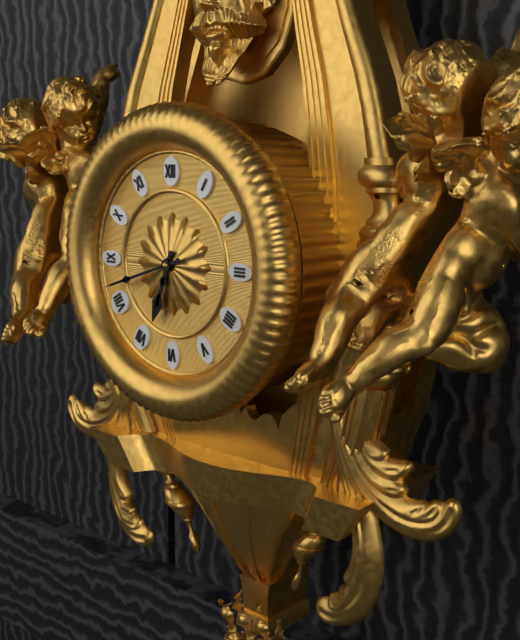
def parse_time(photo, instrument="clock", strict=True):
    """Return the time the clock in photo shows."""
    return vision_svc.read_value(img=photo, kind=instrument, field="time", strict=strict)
6:42
